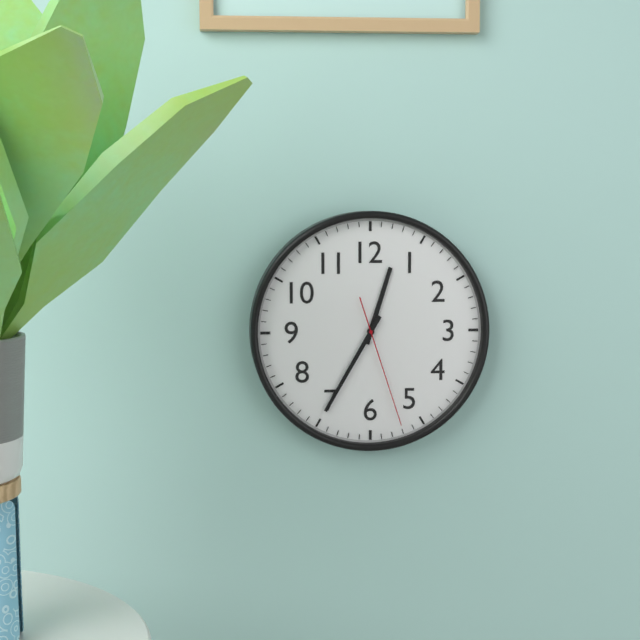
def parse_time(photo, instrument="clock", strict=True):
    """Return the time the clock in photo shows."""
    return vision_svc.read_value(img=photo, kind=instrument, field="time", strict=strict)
12:35:27
